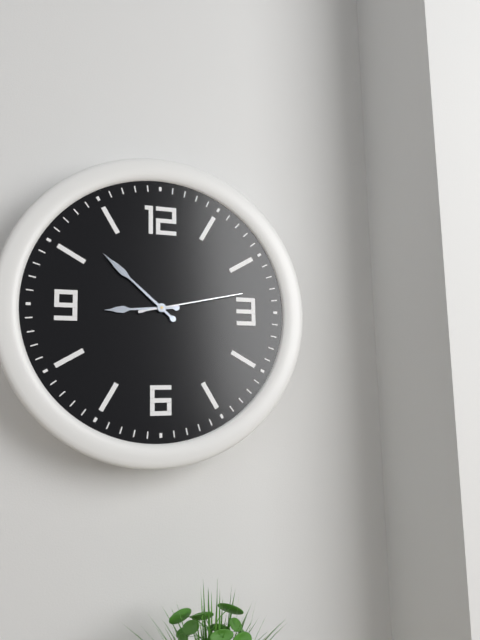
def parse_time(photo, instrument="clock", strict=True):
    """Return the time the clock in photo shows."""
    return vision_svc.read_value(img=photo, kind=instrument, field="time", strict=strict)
8:52:13
